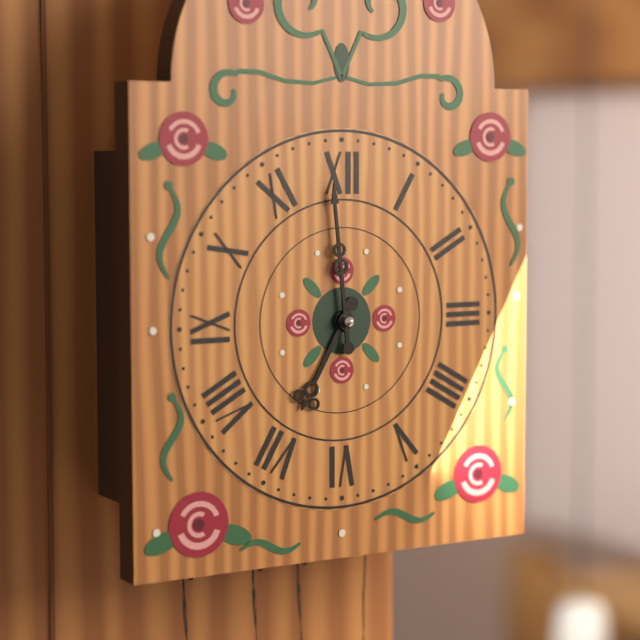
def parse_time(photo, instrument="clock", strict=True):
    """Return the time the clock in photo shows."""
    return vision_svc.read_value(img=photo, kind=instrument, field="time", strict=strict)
6:59
